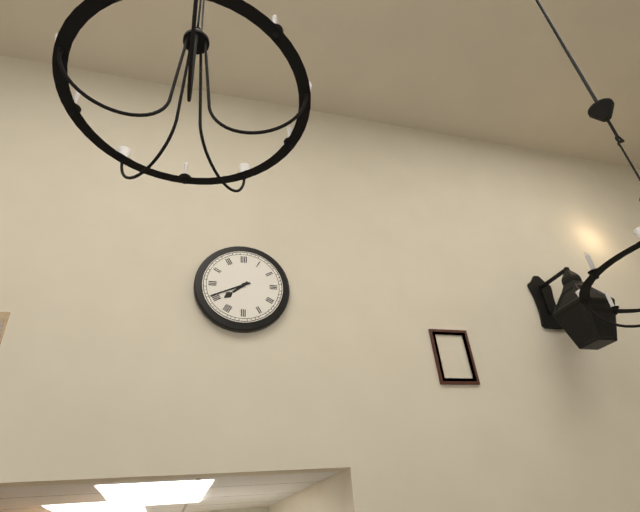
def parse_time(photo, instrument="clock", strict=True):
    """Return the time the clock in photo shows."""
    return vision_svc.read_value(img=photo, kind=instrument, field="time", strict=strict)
7:41
